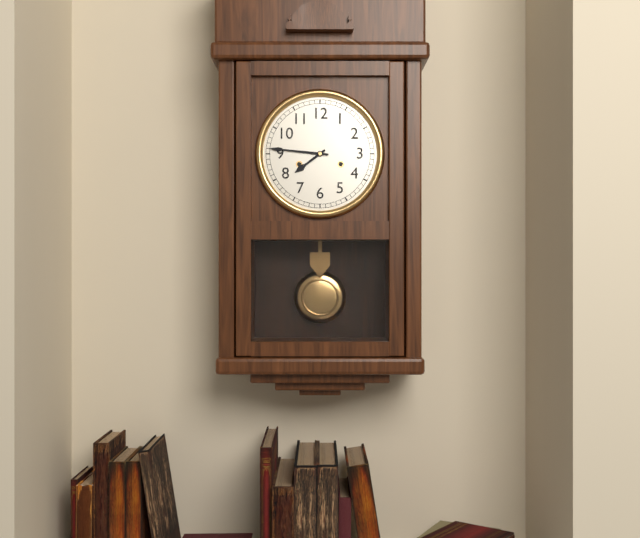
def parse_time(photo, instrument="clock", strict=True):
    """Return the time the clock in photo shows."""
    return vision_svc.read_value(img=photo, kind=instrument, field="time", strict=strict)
7:46
